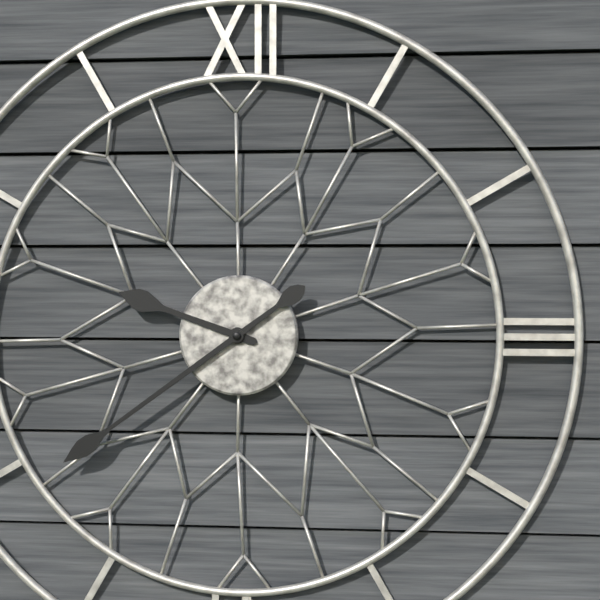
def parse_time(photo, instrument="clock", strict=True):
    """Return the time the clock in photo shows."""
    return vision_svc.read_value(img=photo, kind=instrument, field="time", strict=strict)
9:39
